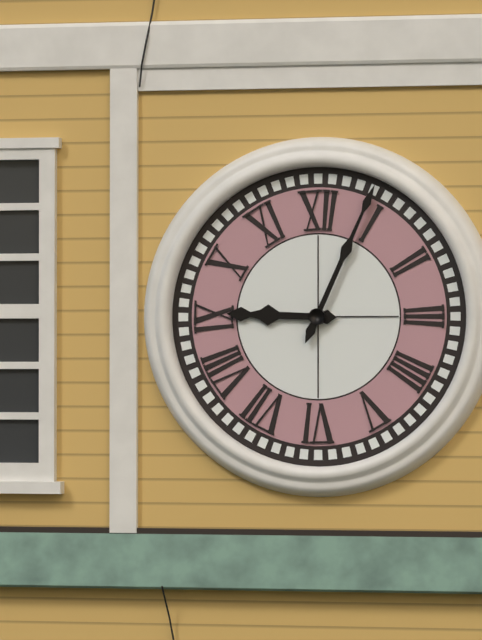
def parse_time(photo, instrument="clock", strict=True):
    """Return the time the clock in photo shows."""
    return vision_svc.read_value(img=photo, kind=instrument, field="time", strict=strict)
9:04
